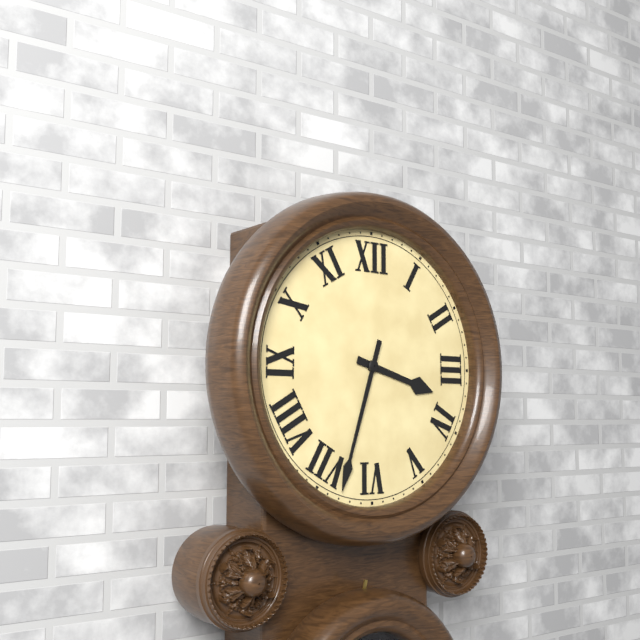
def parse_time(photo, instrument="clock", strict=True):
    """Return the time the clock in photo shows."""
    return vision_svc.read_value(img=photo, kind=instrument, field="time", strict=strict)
3:33
